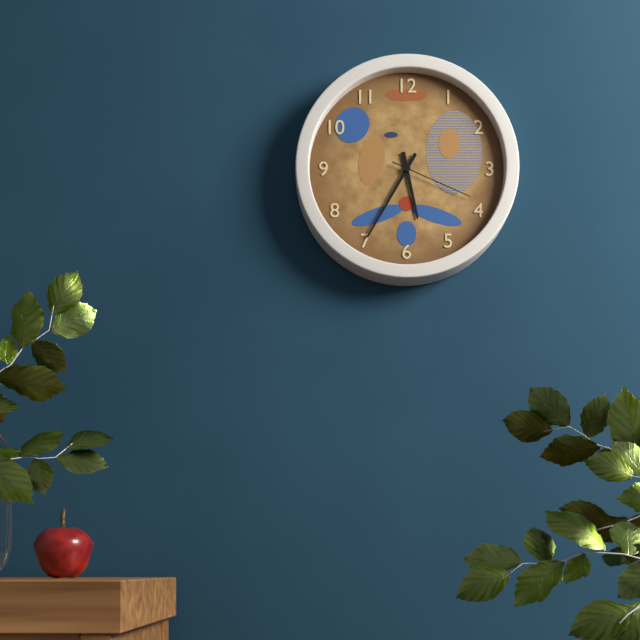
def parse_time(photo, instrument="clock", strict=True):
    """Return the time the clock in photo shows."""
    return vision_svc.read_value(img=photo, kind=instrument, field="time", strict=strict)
5:35:19
